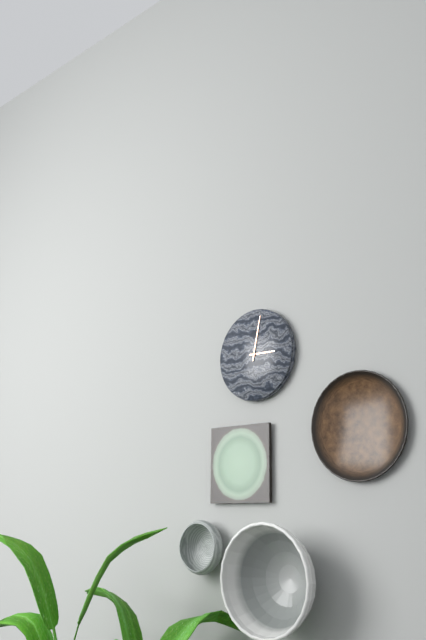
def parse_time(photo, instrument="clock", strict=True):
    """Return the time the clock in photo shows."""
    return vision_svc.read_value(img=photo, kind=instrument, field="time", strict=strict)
3:02
